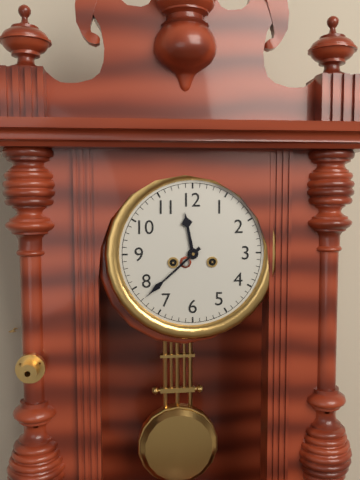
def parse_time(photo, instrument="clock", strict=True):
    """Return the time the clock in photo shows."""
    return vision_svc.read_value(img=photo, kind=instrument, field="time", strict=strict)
11:38
